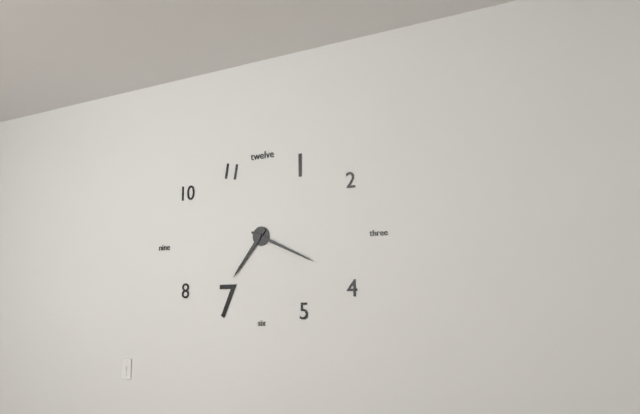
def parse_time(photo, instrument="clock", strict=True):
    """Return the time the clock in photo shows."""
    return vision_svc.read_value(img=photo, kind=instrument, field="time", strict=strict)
7:19
